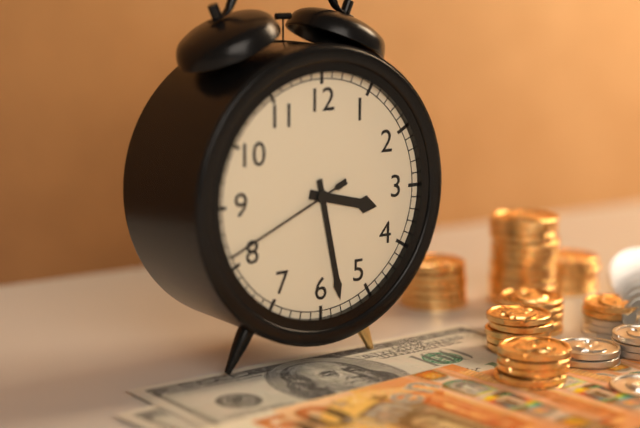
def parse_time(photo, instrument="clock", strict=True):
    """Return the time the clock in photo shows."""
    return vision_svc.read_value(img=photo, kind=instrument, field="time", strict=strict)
3:28:41
